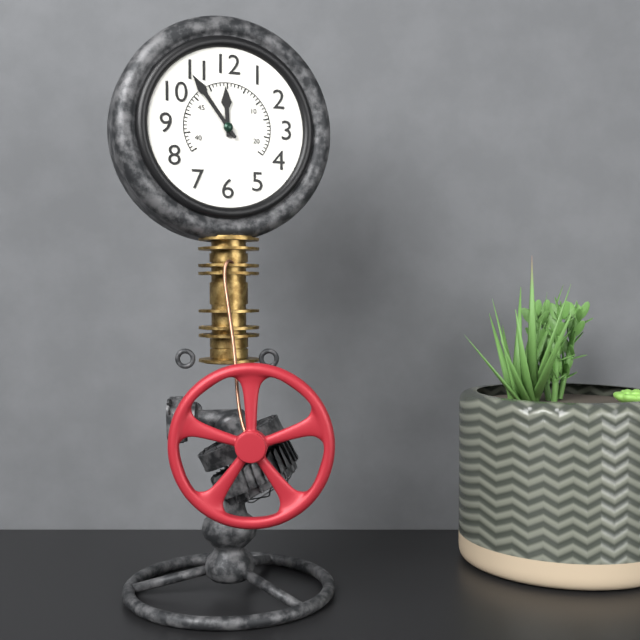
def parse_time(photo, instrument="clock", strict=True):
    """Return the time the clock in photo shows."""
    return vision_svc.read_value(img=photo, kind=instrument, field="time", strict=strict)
11:54
